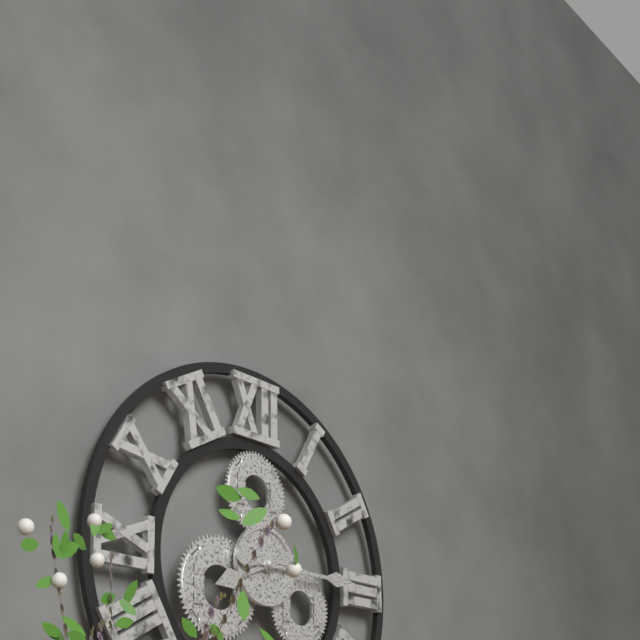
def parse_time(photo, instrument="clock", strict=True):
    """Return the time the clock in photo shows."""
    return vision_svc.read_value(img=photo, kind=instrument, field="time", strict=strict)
8:15
